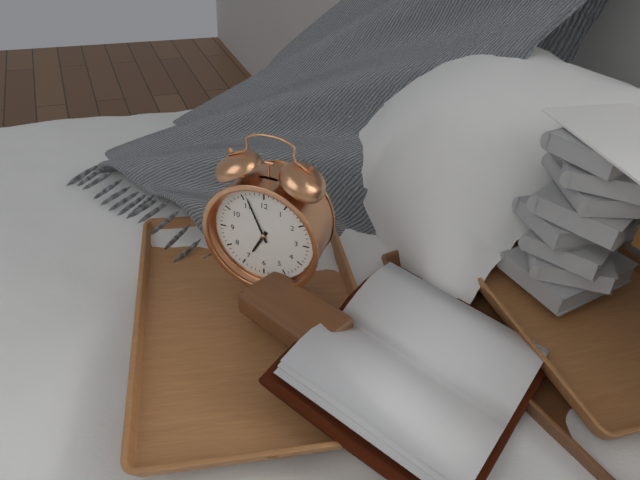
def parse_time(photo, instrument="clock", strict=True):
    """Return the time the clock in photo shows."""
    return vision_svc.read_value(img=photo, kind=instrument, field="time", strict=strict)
6:56
